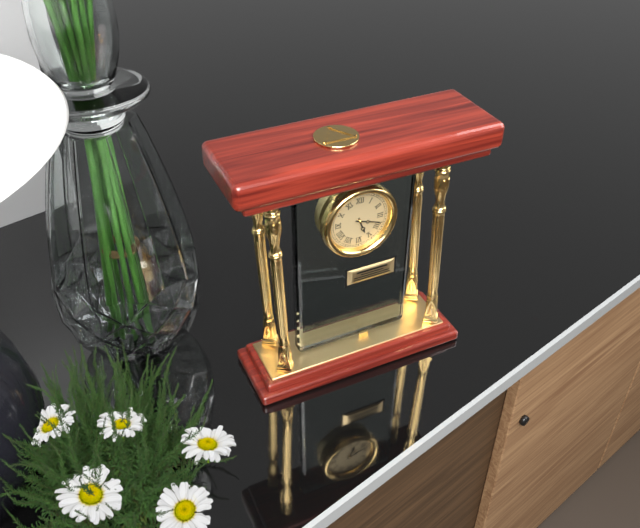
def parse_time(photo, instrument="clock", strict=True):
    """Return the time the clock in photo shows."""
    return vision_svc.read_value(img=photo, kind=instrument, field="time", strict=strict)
5:18
